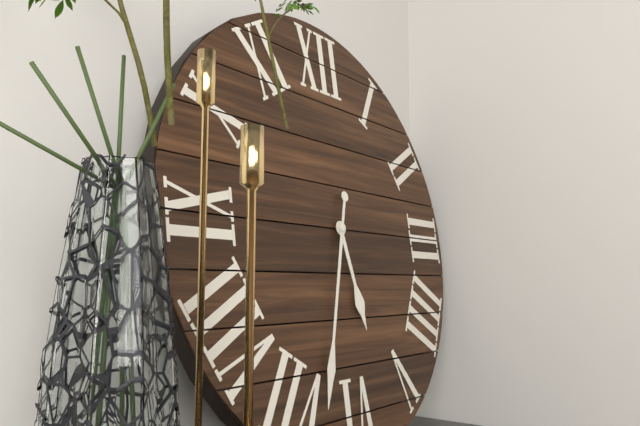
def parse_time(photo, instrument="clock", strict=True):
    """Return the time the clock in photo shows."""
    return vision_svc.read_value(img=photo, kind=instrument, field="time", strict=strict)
5:33
